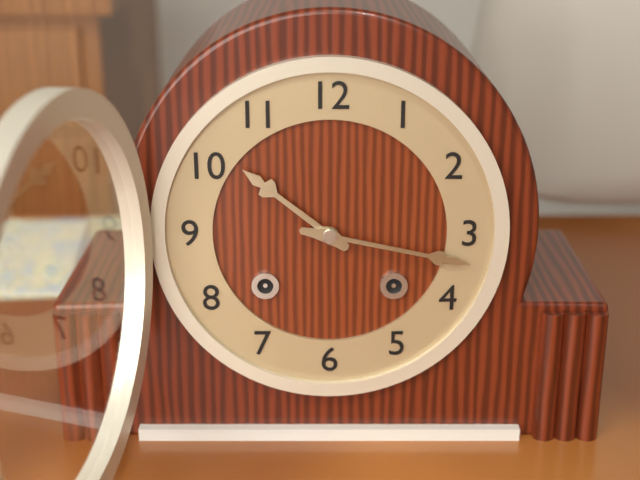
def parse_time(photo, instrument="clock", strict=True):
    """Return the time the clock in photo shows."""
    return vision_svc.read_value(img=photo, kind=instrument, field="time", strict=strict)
10:17
